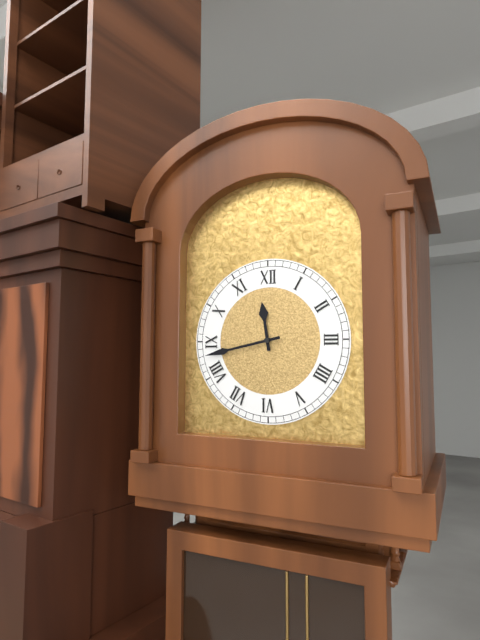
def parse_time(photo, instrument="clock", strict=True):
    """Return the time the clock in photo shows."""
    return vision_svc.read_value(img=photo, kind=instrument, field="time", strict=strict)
11:43
